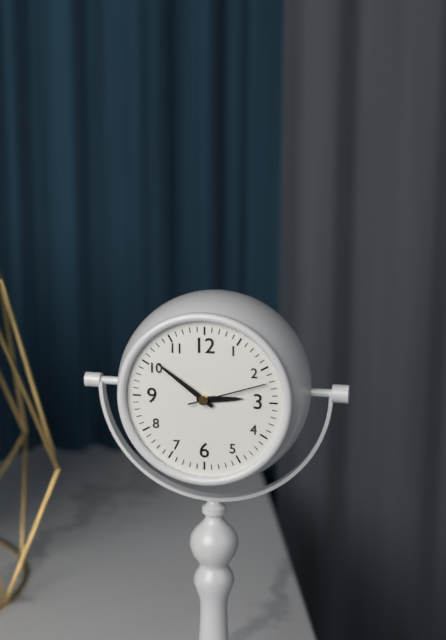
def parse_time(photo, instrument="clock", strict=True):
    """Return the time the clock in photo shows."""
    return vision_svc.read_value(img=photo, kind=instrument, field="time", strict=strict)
2:51:12
